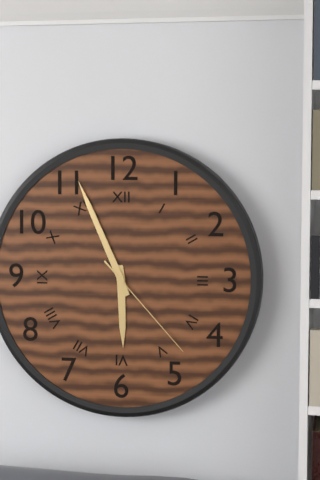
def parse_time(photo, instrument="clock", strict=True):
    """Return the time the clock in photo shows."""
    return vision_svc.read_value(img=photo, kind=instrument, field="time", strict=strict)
5:56:23
